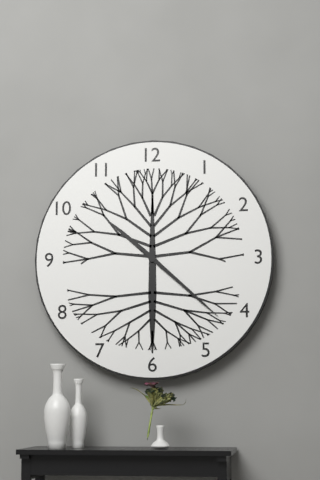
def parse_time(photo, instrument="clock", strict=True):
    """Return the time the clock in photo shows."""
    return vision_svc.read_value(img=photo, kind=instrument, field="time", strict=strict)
10:22
